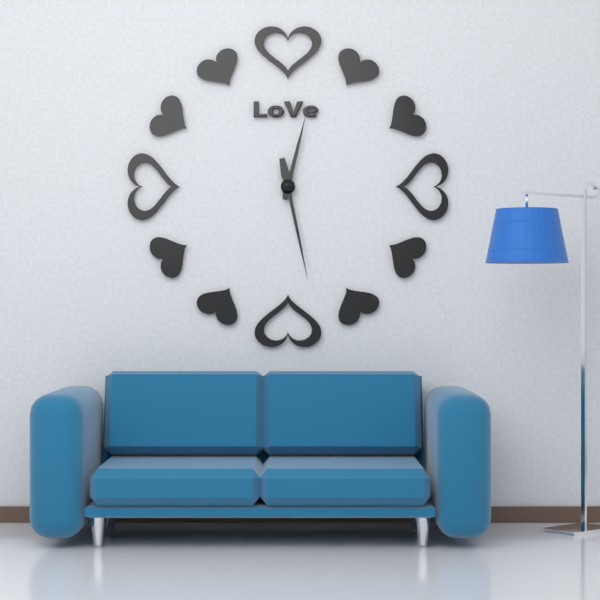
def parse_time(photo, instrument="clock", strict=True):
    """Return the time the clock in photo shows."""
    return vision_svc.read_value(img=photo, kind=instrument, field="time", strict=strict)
12:28
